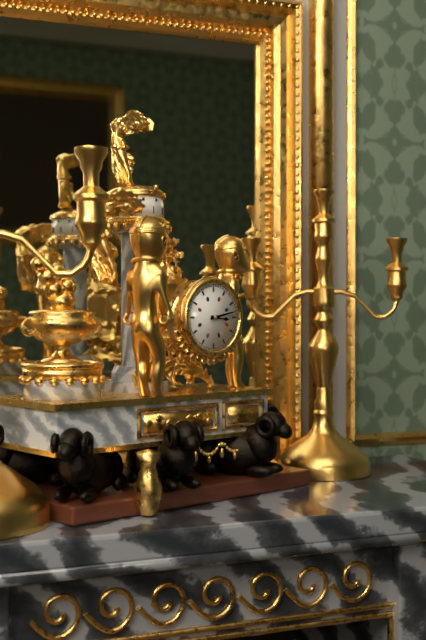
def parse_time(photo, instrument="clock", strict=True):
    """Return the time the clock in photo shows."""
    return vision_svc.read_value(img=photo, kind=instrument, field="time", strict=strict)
3:13
